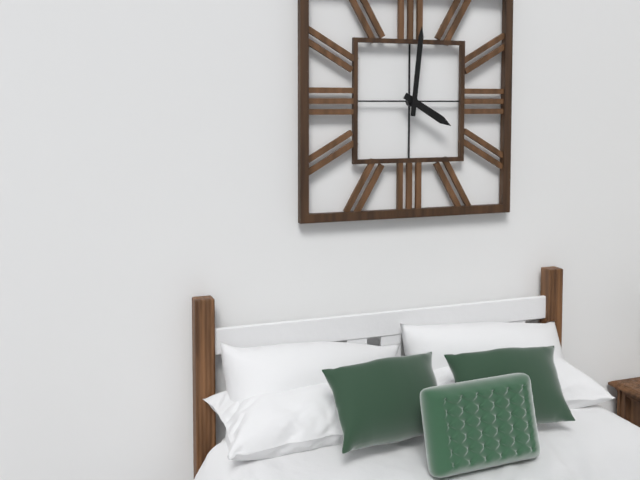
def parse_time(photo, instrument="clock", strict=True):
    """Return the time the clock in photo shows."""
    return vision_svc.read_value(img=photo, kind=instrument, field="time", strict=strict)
4:01
